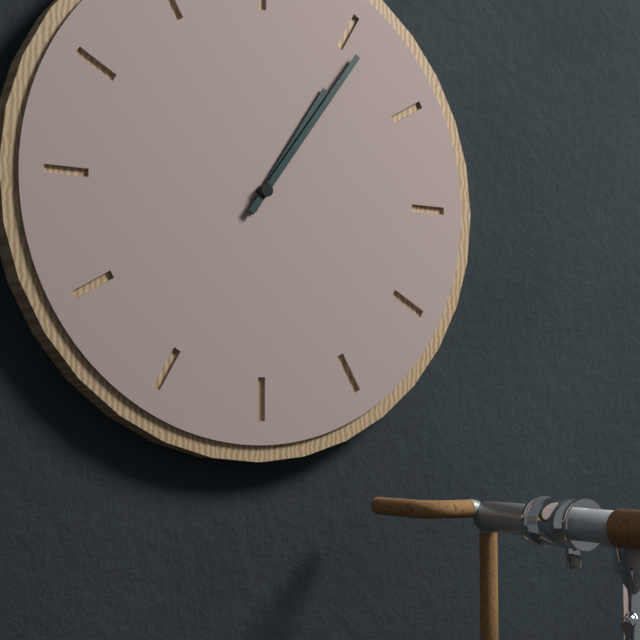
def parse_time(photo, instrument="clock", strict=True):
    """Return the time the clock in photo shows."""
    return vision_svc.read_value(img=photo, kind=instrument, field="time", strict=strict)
1:06
